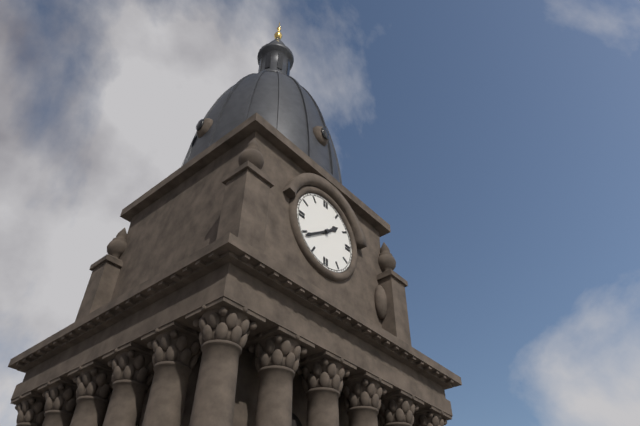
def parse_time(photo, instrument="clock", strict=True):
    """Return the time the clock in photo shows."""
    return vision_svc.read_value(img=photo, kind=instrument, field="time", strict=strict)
1:39
